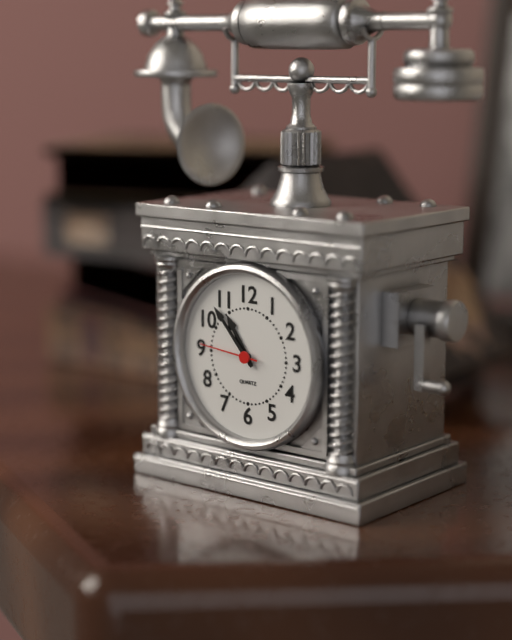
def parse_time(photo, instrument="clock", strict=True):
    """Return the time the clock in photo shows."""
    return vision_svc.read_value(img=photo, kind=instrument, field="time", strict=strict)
10:53:46
